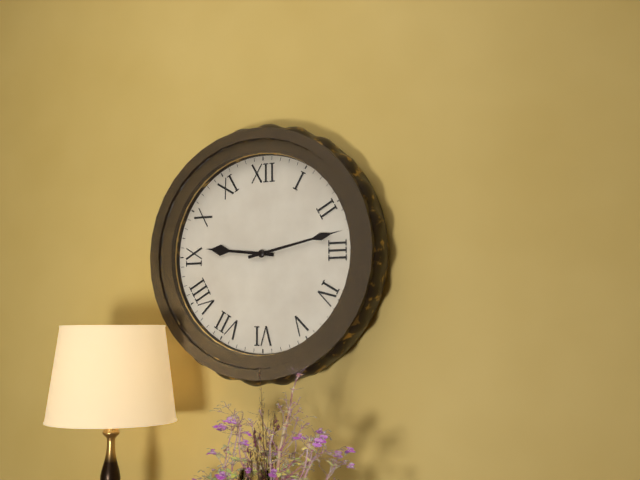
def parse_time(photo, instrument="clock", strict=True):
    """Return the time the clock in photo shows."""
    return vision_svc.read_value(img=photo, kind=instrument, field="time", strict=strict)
9:13
